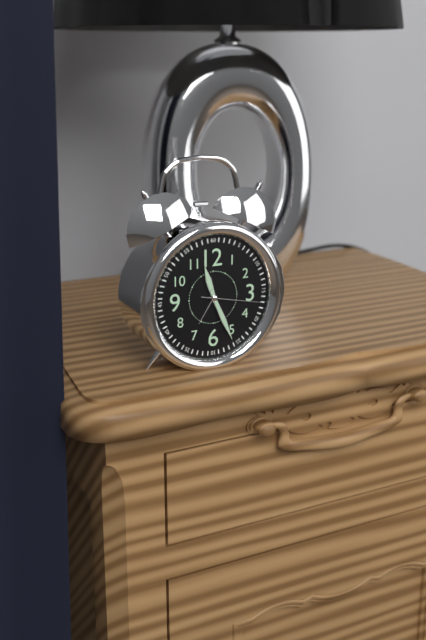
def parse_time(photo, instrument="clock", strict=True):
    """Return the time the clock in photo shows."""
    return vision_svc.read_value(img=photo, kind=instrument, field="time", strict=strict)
11:26:17
